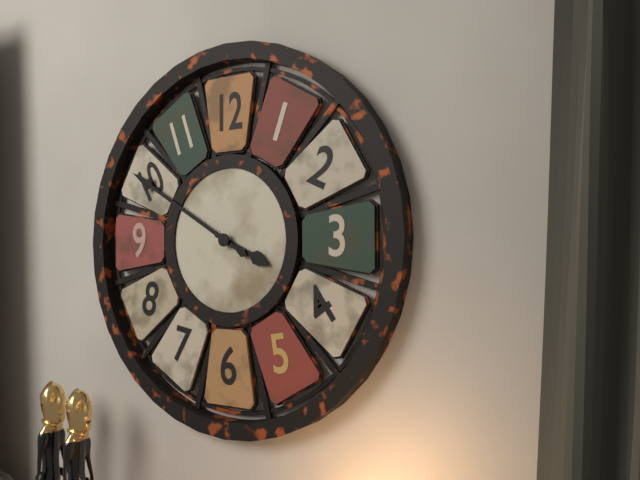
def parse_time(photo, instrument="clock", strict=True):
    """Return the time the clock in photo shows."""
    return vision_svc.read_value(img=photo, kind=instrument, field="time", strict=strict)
3:50
